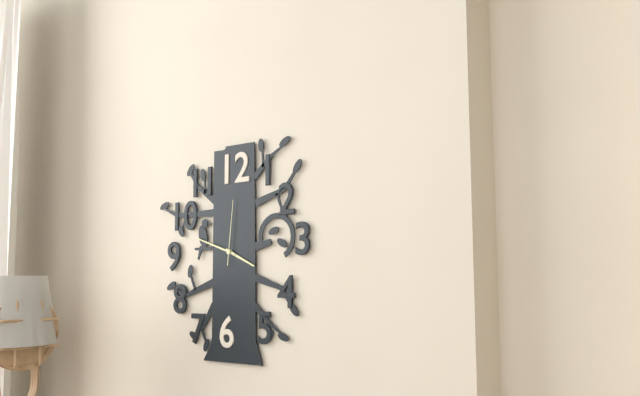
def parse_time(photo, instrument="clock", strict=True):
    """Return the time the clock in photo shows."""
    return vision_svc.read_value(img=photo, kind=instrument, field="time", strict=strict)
3:48:01
